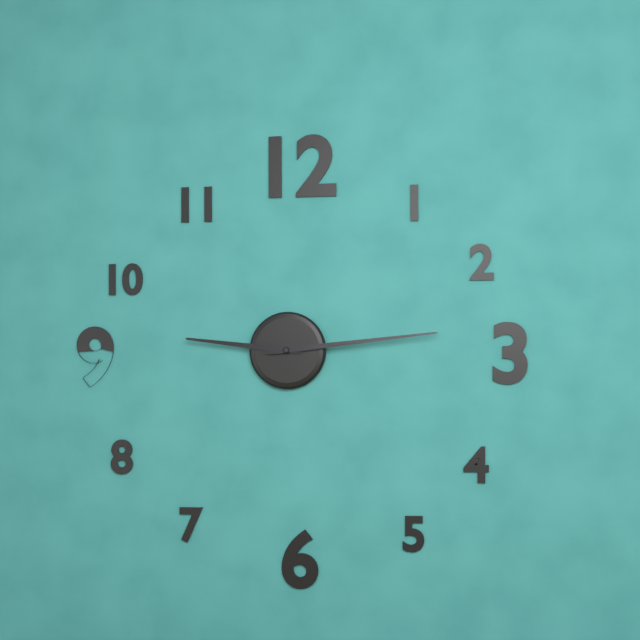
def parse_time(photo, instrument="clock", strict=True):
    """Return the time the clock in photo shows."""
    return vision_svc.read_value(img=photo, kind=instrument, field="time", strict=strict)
9:14
